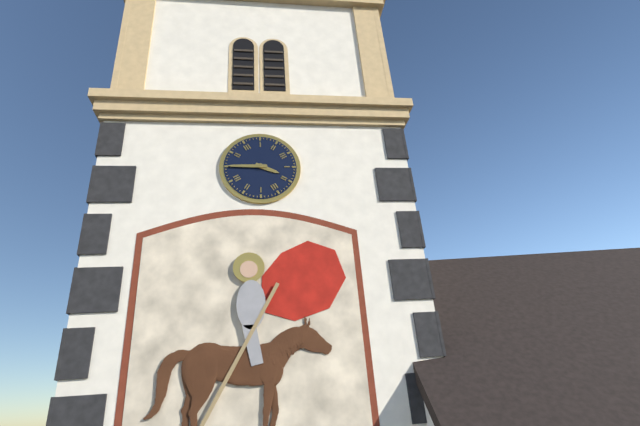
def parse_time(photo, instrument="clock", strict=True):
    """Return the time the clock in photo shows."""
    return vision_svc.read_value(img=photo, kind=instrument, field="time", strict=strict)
3:45
